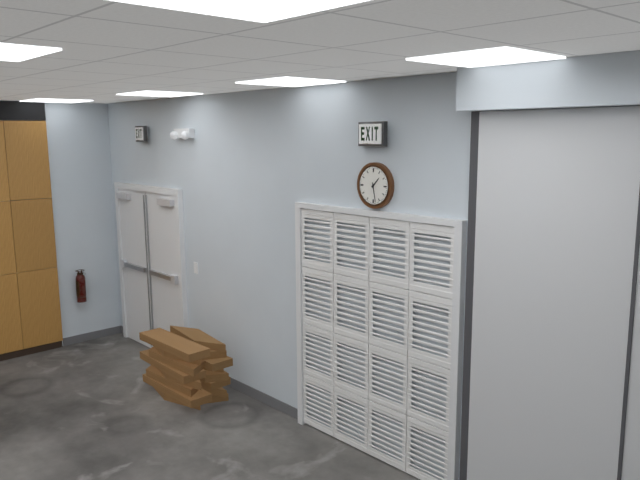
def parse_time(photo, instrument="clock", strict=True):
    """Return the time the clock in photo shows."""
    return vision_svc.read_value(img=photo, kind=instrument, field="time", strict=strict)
1:28
